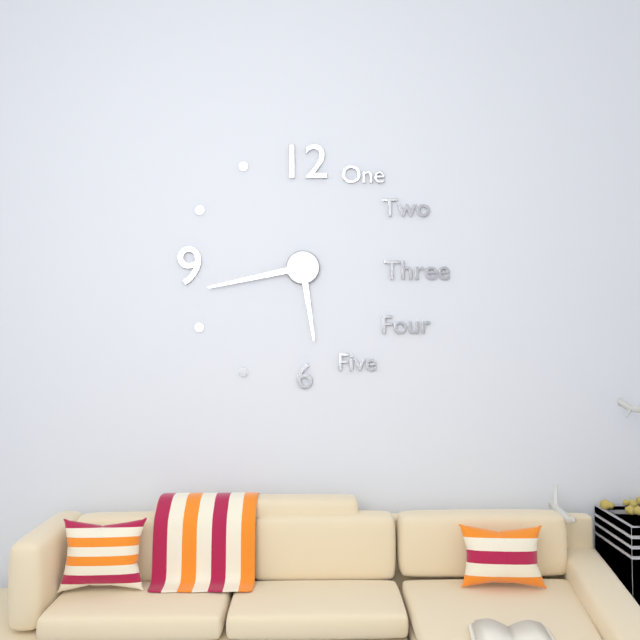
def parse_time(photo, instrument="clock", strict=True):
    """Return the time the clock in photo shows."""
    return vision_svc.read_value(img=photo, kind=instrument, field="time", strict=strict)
5:43
